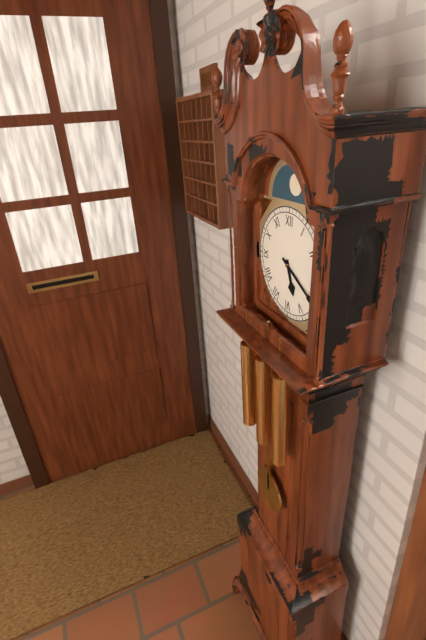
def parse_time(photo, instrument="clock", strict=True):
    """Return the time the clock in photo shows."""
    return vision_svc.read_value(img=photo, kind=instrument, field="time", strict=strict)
5:20
